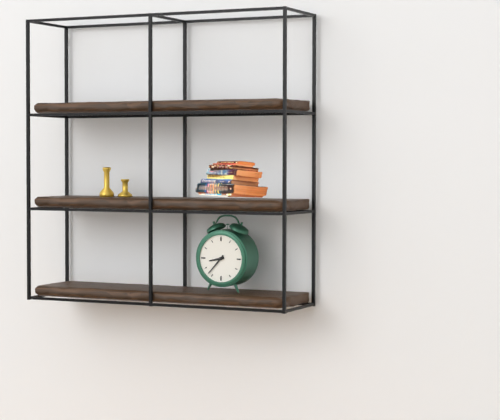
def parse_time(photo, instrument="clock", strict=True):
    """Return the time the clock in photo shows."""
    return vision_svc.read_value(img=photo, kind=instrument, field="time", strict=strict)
8:37
